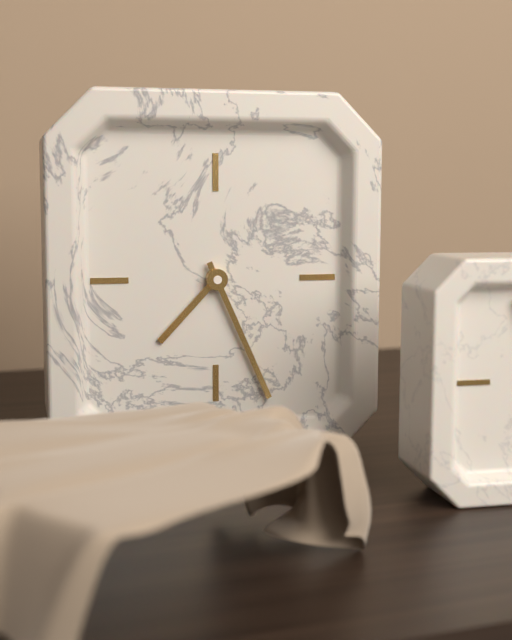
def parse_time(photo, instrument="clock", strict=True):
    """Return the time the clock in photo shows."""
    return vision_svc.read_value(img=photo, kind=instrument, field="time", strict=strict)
7:26
